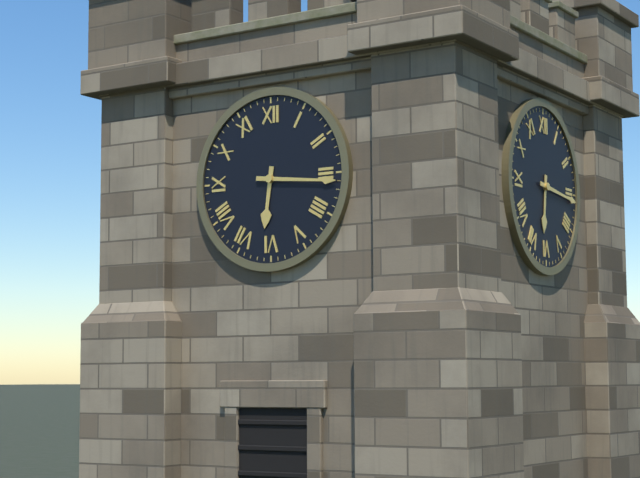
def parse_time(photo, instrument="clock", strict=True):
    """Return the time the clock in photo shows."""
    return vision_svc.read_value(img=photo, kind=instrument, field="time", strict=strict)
6:16
